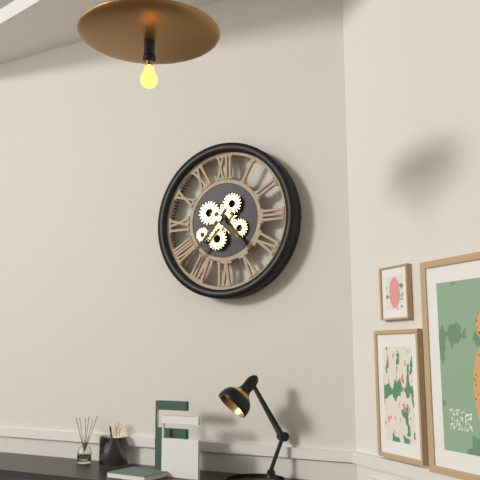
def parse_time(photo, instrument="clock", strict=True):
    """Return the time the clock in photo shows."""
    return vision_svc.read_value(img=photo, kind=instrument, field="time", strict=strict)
4:37
